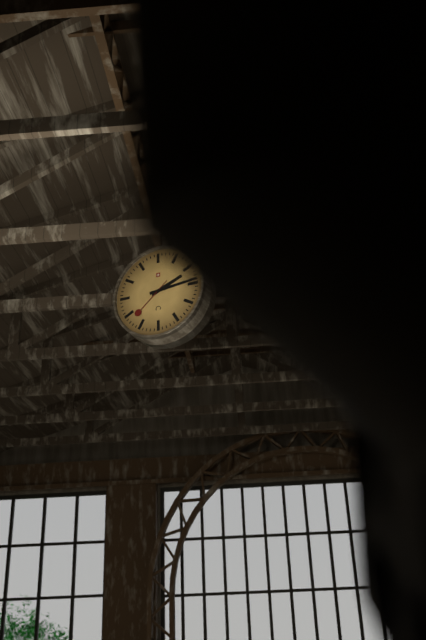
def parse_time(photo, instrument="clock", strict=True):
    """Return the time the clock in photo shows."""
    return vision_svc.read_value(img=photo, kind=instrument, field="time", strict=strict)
2:14
